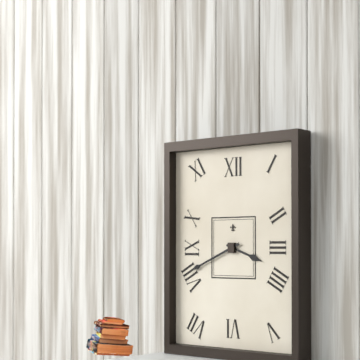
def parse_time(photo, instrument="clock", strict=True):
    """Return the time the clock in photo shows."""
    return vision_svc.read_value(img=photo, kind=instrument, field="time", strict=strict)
3:41
